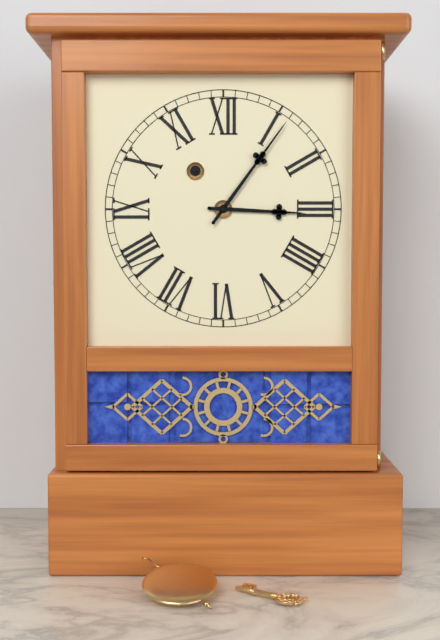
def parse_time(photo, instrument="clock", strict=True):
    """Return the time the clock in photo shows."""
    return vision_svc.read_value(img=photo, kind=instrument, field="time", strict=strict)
3:06
